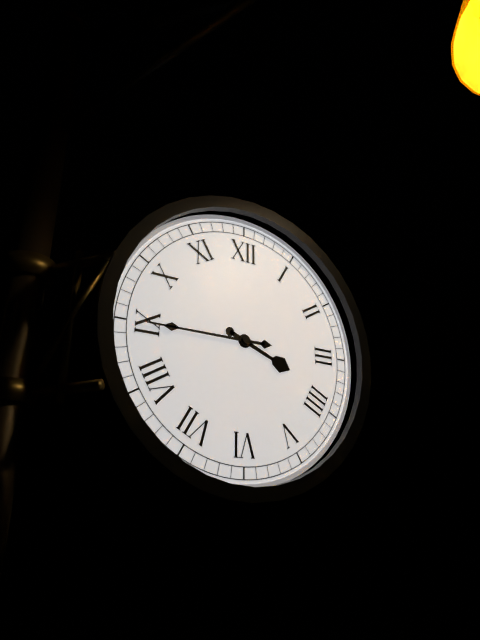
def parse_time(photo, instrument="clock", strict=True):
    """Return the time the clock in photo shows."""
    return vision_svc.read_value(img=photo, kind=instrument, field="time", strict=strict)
3:45
